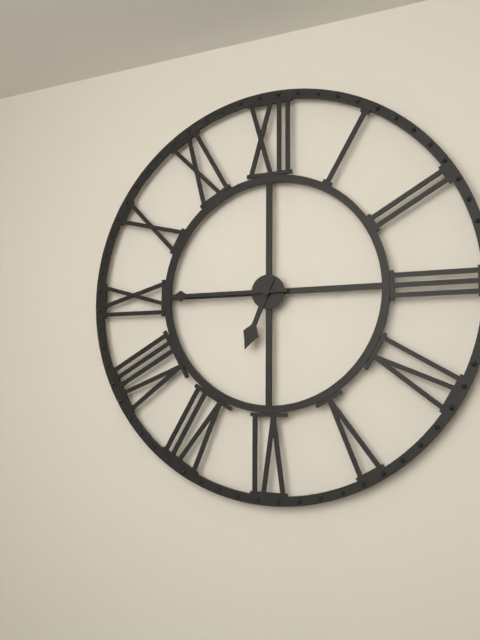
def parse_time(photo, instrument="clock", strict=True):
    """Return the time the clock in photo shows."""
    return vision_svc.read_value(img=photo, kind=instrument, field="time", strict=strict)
6:45
